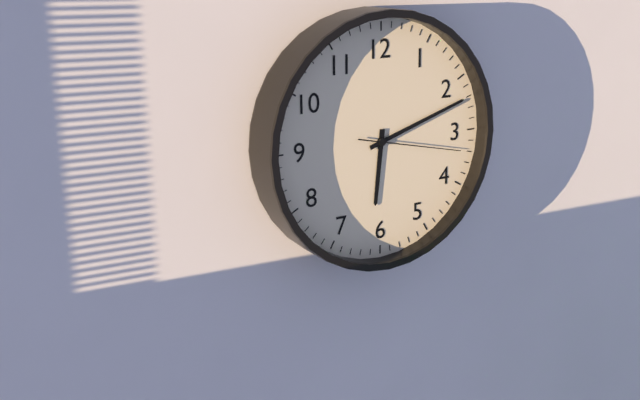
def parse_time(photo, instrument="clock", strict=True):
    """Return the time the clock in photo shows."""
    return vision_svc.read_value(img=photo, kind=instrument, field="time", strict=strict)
6:12:17
